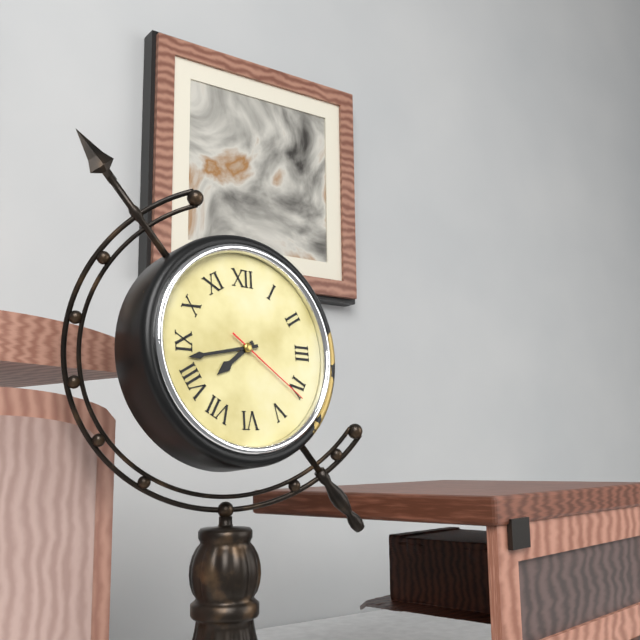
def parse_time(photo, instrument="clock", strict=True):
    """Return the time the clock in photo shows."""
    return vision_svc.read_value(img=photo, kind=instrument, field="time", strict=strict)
7:43:21
